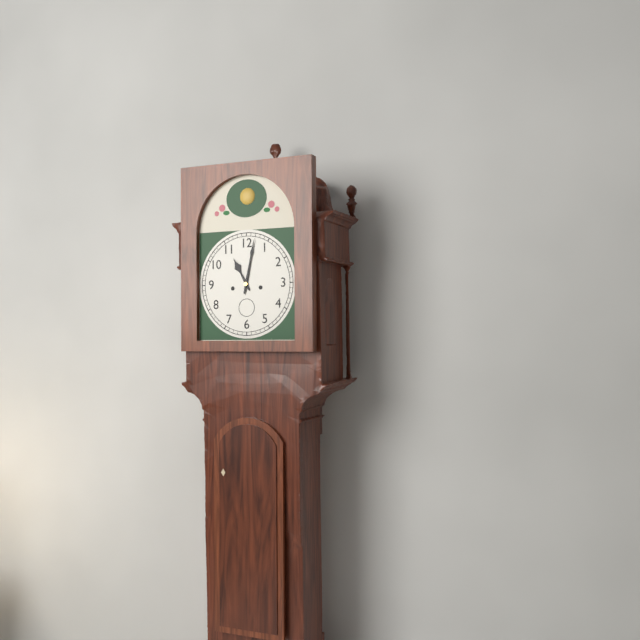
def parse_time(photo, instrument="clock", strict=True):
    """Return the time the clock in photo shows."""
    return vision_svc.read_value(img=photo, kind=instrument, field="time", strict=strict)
11:02
